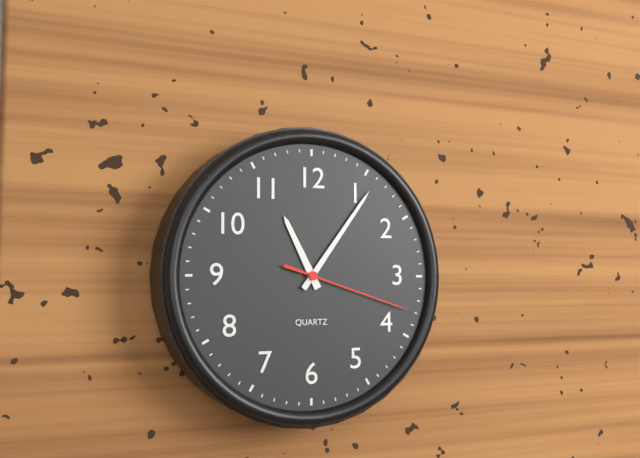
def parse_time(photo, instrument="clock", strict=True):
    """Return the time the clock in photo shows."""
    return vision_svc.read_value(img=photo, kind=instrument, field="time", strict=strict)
11:06:18
